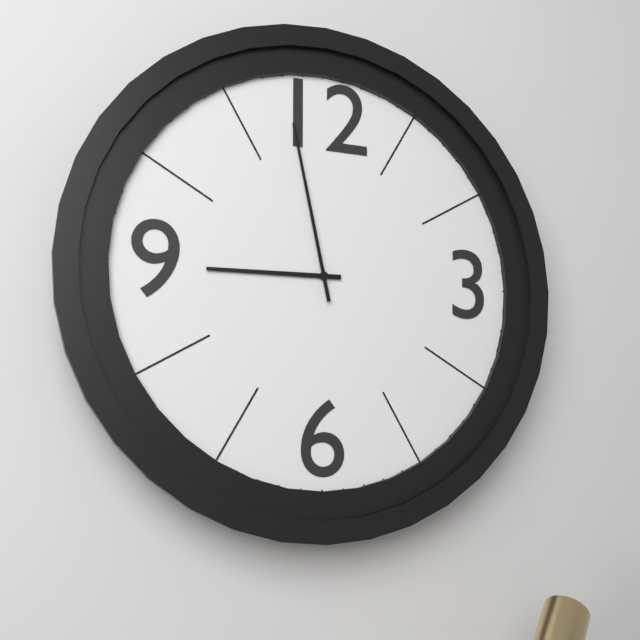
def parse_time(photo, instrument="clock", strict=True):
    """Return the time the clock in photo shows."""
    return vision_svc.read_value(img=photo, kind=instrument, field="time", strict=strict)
8:58
